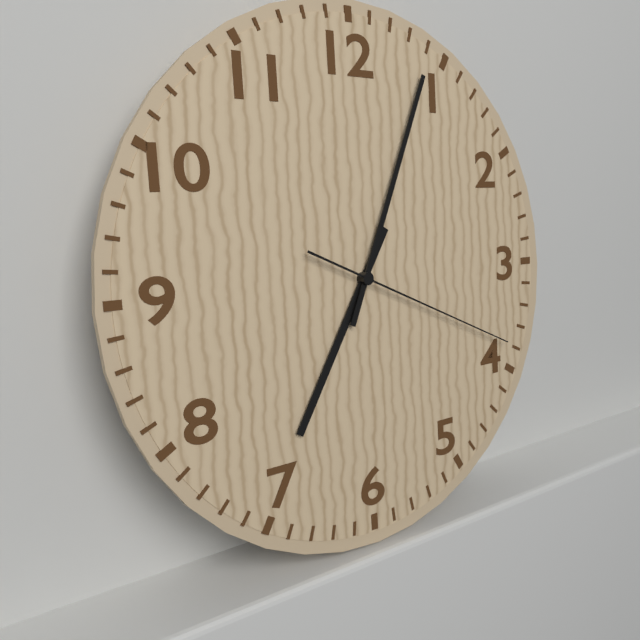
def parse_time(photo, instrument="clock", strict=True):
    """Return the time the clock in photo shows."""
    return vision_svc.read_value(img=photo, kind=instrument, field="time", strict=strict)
7:04:19
